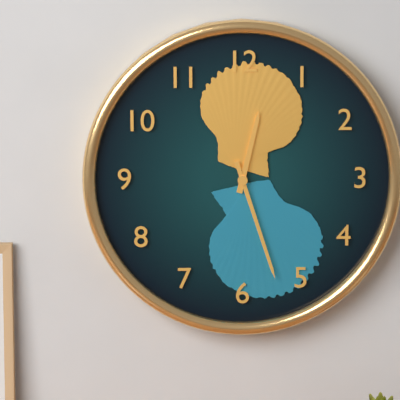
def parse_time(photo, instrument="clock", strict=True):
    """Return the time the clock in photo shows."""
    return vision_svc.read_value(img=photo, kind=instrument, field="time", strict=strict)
12:27
